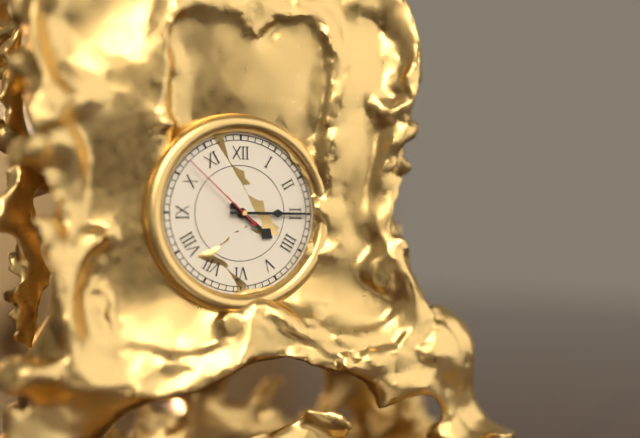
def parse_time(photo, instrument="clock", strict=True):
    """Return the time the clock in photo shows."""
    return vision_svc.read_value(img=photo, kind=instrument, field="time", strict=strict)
4:15:52
